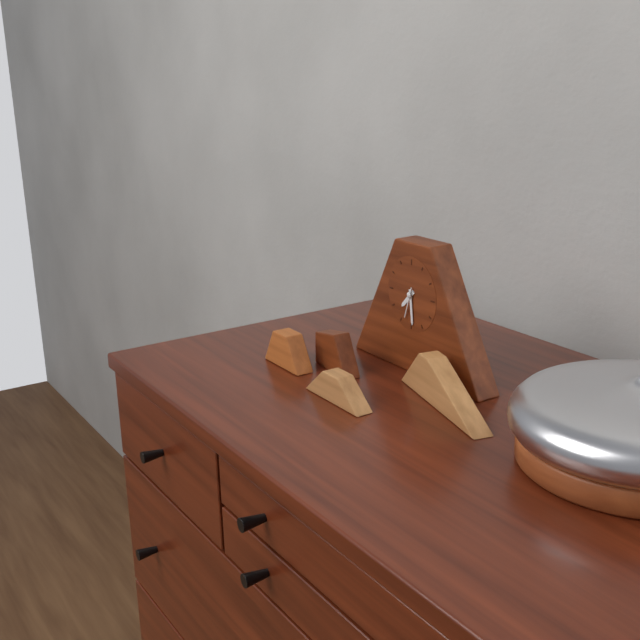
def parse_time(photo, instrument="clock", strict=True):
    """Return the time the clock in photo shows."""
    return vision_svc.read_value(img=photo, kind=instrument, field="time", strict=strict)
7:29
